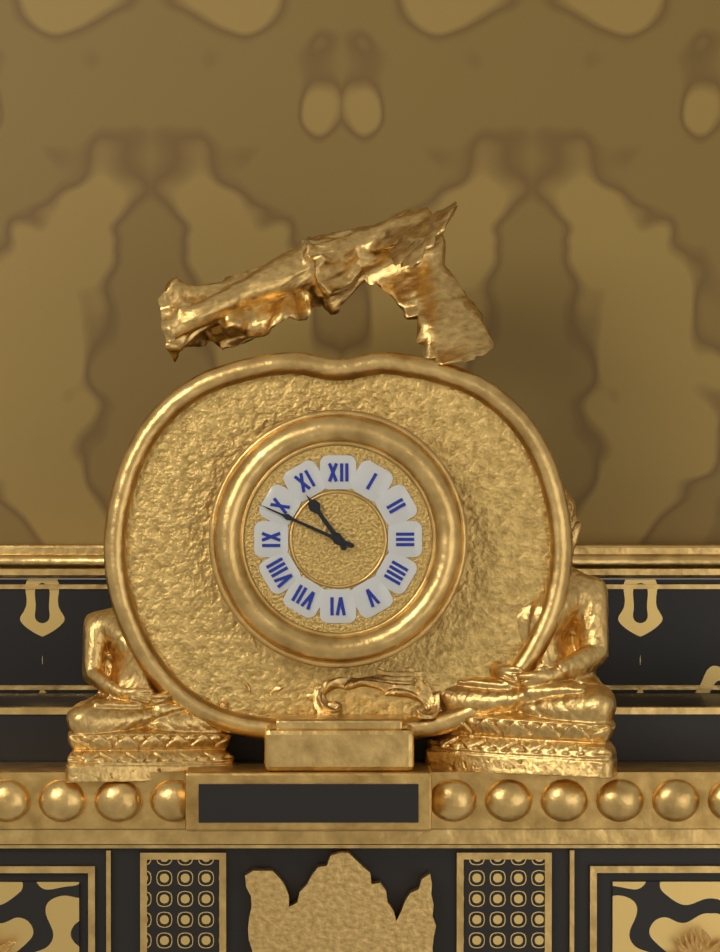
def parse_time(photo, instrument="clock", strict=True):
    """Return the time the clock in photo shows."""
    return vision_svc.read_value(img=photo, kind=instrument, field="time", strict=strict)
10:49
